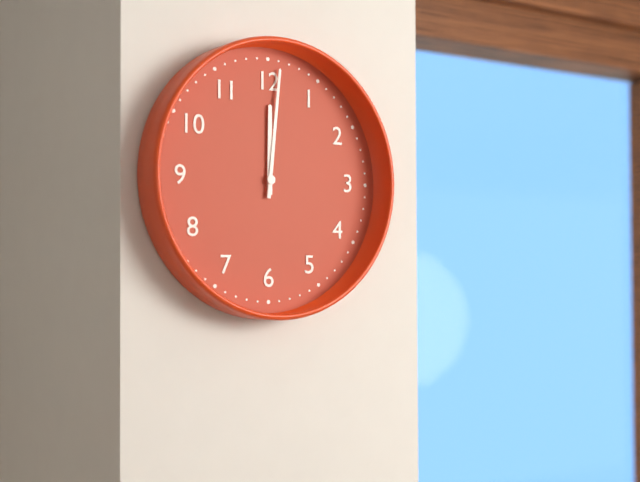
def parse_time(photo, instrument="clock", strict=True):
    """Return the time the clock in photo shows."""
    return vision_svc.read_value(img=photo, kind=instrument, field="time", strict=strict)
12:01
